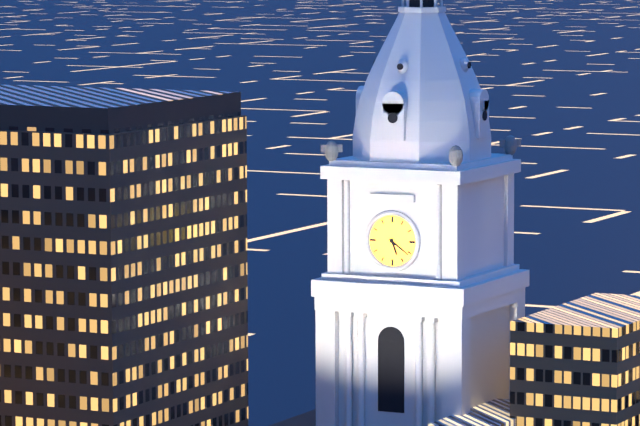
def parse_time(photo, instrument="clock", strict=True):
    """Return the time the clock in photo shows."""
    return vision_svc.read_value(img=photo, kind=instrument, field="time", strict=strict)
5:21
